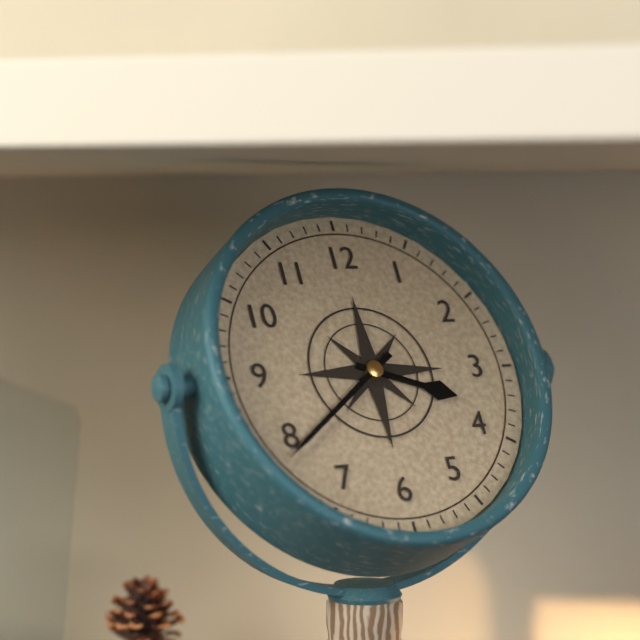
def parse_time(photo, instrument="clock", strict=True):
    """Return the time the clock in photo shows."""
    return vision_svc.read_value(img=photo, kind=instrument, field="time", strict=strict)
3:39
